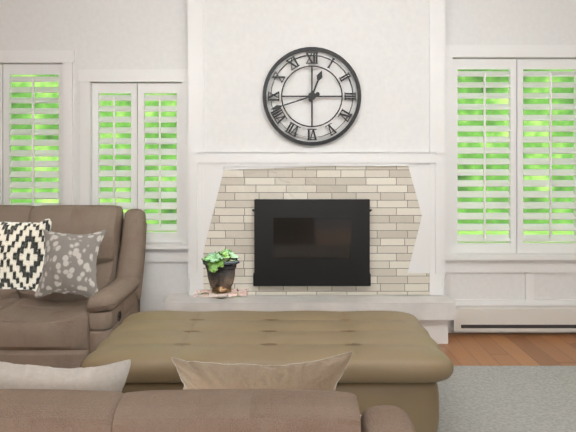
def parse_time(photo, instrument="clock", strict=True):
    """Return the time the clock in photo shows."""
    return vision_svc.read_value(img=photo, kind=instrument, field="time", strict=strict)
12:42
